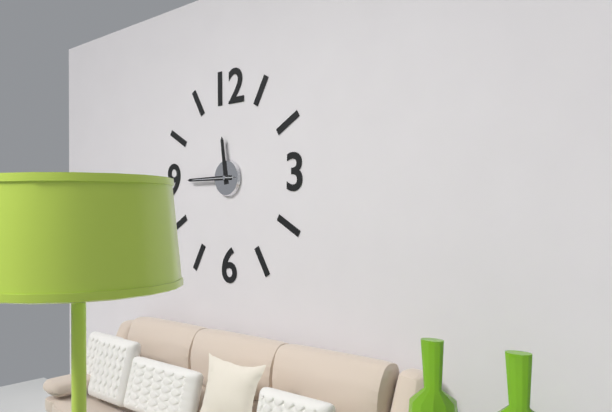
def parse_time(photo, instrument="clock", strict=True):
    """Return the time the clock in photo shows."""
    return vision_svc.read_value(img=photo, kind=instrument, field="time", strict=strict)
11:45
